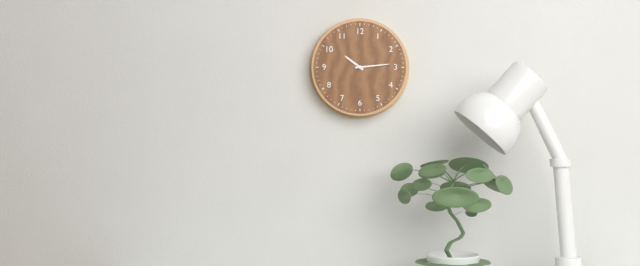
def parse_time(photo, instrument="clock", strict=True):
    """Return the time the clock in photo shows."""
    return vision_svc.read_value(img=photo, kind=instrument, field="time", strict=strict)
10:14
